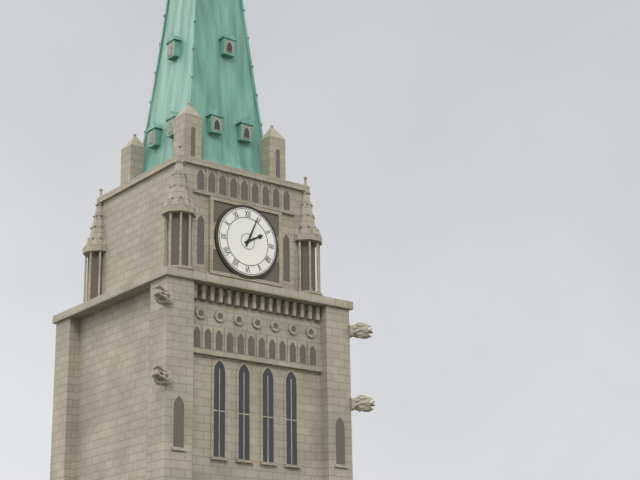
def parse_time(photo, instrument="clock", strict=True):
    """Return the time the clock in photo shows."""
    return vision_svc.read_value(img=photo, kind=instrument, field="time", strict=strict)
2:04
